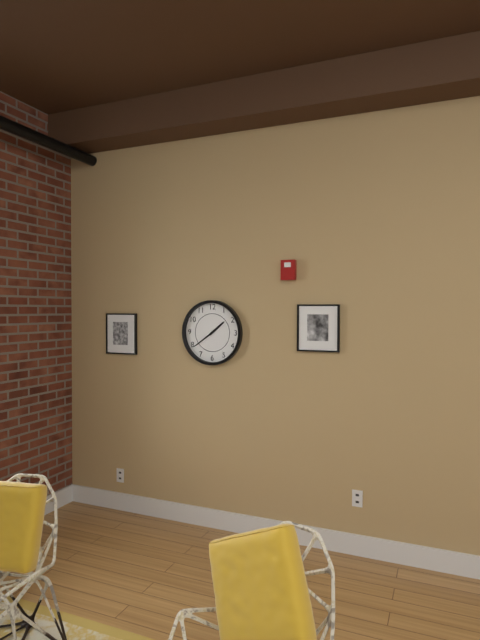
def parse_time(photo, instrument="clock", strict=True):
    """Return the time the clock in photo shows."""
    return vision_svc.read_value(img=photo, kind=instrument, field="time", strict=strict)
1:39
